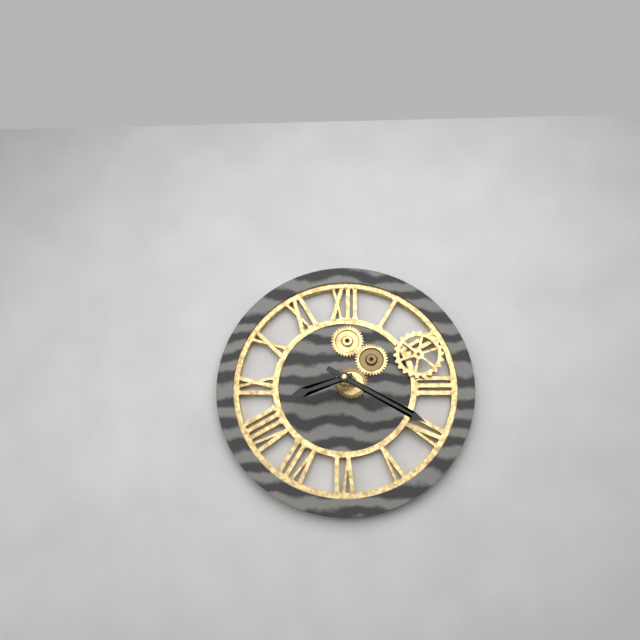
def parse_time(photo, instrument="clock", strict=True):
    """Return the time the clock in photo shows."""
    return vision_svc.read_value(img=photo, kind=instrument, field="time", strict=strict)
8:20
